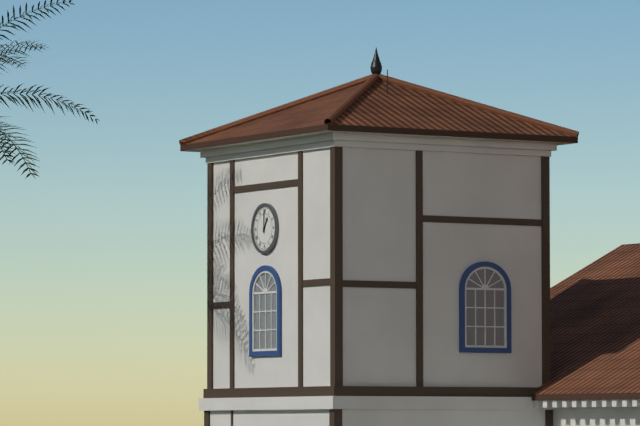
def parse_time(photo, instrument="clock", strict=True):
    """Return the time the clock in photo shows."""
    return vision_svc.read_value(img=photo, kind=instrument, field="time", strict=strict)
1:00
